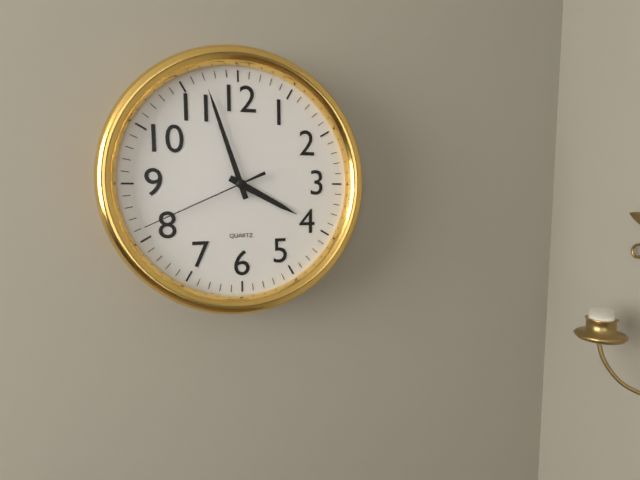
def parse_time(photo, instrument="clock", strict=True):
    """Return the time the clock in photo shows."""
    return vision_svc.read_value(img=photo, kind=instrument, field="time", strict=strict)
3:57:41
